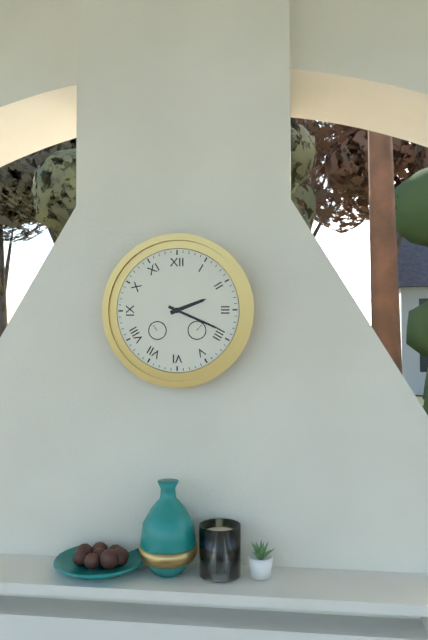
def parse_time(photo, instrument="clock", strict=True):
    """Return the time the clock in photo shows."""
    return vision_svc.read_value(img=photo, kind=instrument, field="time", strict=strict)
2:19
